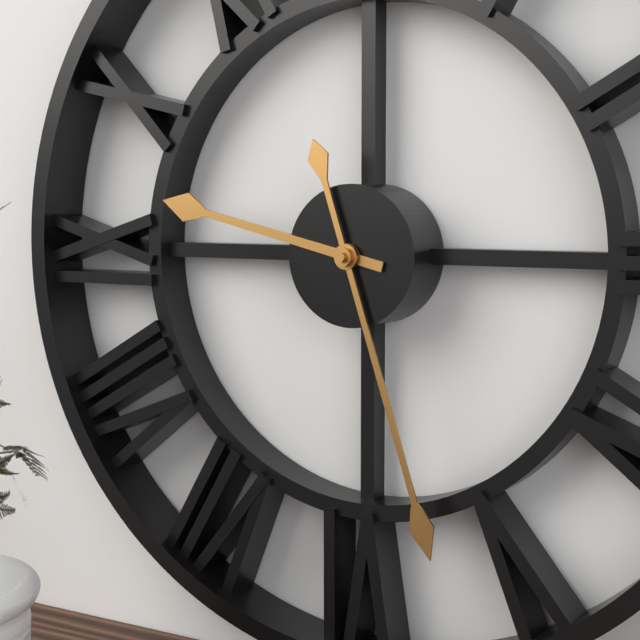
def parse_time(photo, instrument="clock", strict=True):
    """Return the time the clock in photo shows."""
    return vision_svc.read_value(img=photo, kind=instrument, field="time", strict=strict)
9:27
